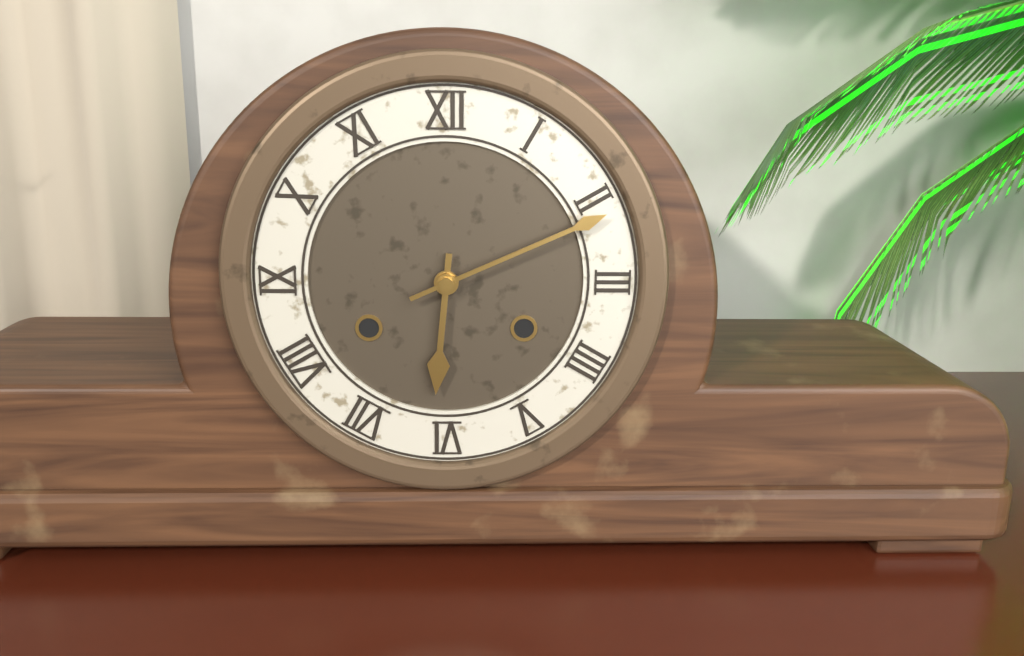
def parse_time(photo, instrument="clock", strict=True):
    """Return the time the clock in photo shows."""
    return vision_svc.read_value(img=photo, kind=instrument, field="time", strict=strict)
6:11
